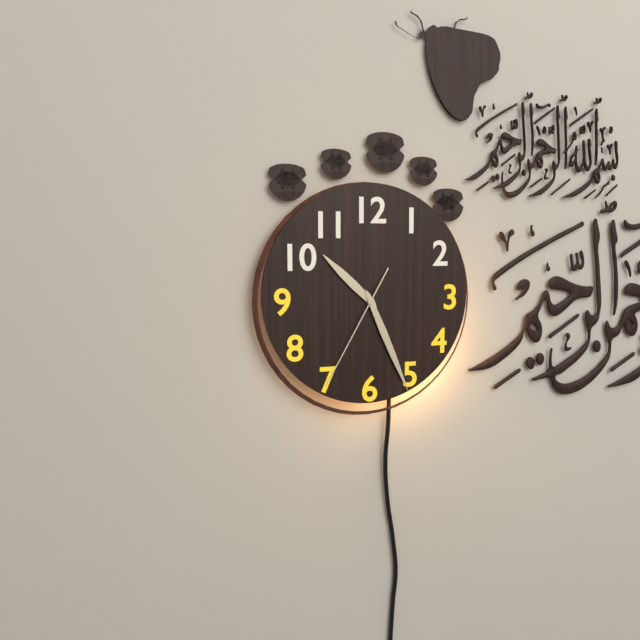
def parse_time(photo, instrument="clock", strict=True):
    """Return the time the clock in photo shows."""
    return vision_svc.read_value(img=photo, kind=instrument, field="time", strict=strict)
10:26:35
